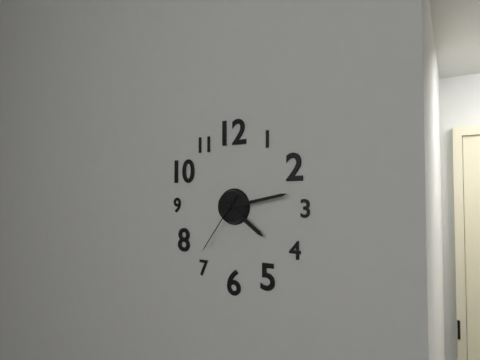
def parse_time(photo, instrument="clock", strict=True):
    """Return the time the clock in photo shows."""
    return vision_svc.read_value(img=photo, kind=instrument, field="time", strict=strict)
4:13:36
